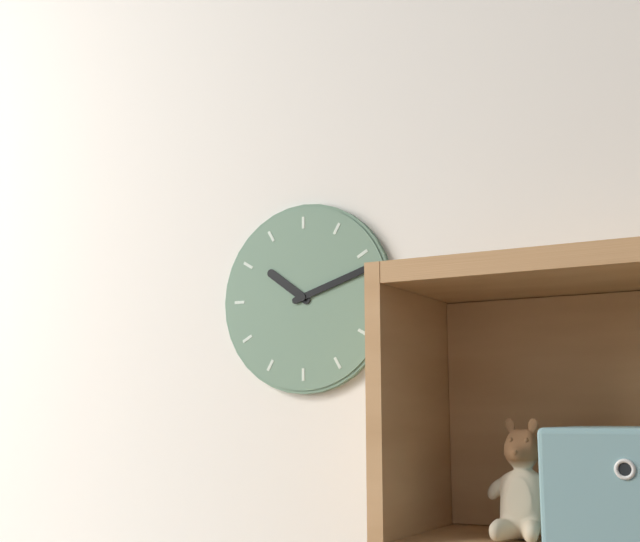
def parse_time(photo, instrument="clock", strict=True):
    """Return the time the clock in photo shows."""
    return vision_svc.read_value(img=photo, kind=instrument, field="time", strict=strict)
10:12
